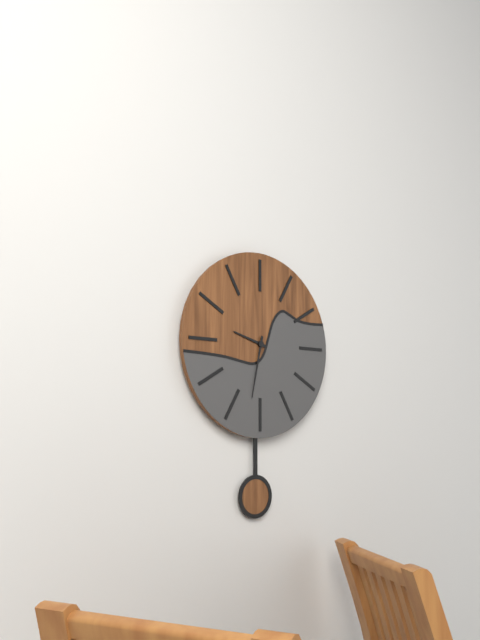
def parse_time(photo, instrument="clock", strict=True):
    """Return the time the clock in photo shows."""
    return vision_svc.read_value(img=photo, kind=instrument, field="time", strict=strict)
9:32
